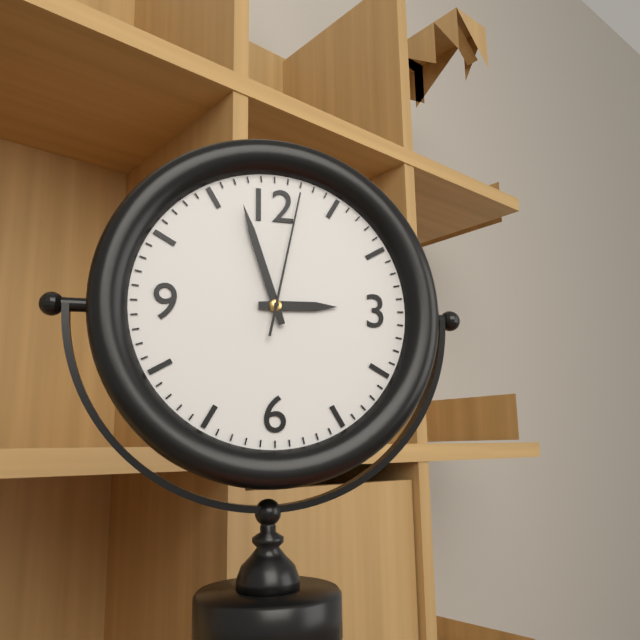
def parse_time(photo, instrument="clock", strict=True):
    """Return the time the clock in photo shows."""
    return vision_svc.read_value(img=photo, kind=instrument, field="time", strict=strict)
2:57:02
